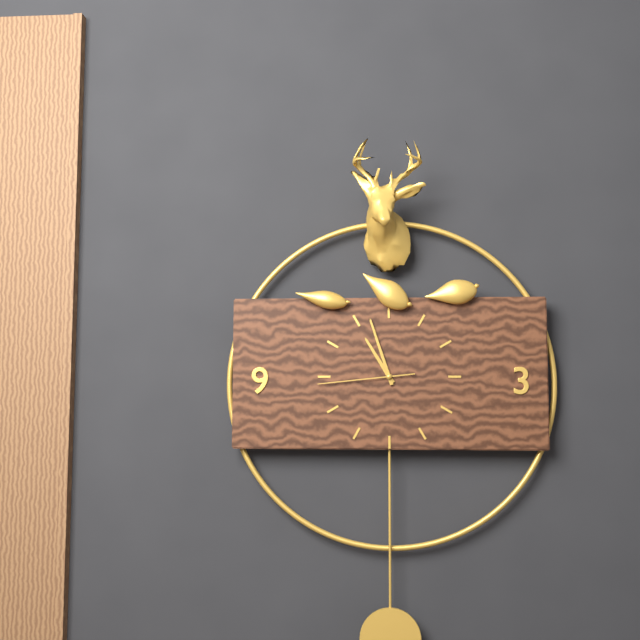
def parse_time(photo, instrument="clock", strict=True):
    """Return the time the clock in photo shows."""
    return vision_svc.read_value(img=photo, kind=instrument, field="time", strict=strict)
10:57:44
